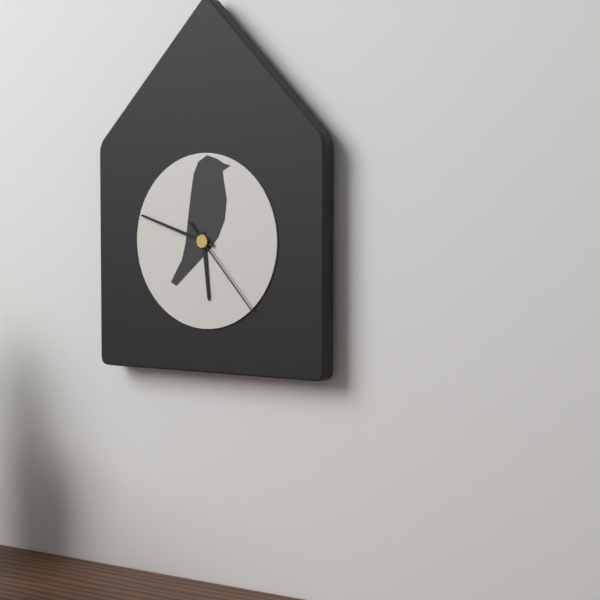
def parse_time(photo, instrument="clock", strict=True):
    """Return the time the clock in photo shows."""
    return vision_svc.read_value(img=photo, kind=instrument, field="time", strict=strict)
5:48:23
